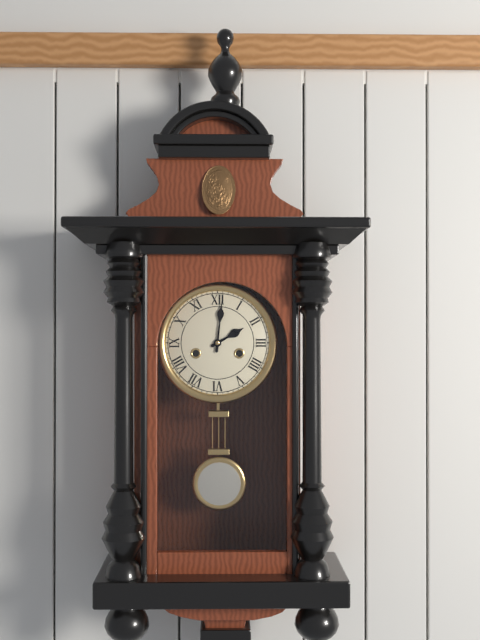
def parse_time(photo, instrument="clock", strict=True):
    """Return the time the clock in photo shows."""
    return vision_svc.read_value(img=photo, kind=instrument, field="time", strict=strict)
2:01
